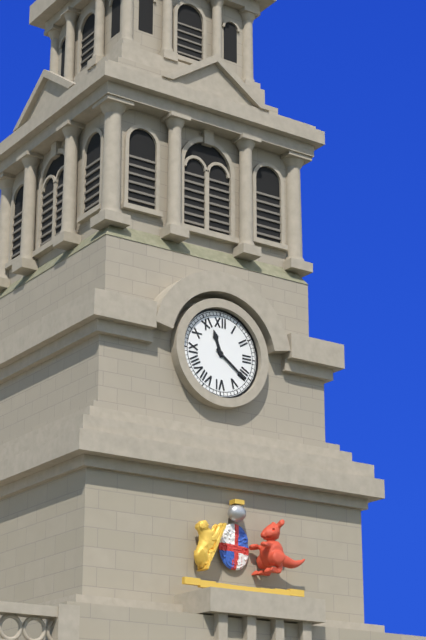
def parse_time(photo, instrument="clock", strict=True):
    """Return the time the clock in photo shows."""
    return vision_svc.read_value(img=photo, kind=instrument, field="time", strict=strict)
11:21
